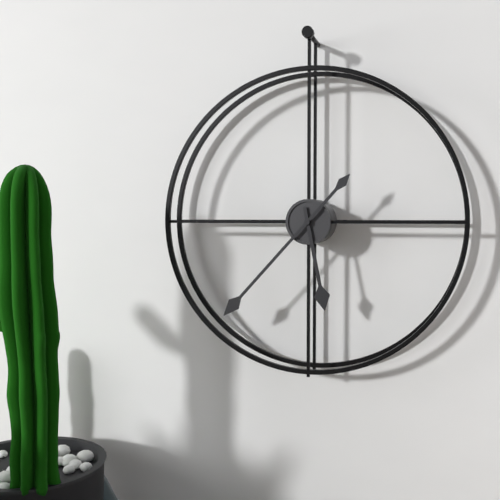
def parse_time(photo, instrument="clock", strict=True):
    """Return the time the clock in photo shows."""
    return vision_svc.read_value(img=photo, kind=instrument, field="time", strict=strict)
5:37
